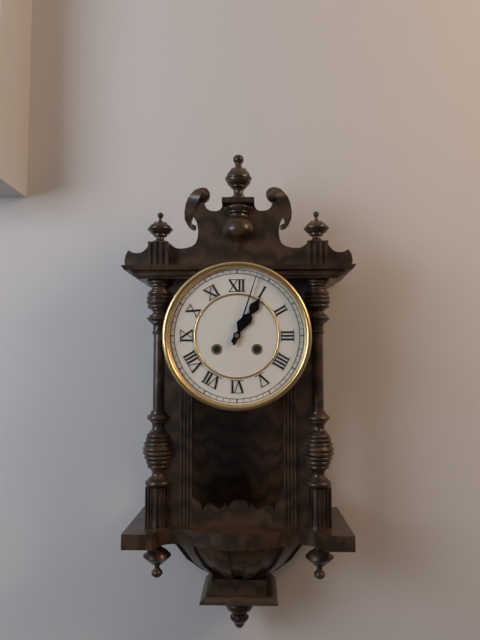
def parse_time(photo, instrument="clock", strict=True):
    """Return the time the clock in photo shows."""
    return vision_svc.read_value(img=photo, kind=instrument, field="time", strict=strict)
1:03
